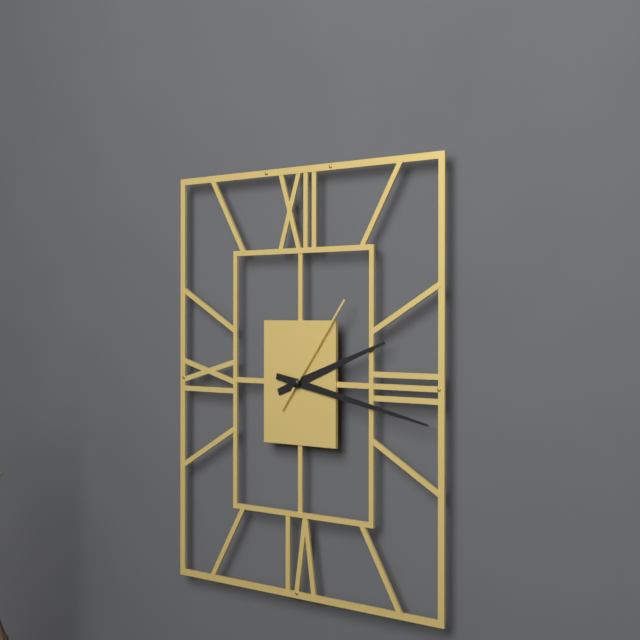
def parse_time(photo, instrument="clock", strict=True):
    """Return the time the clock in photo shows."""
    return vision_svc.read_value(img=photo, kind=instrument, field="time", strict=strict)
2:17:06
